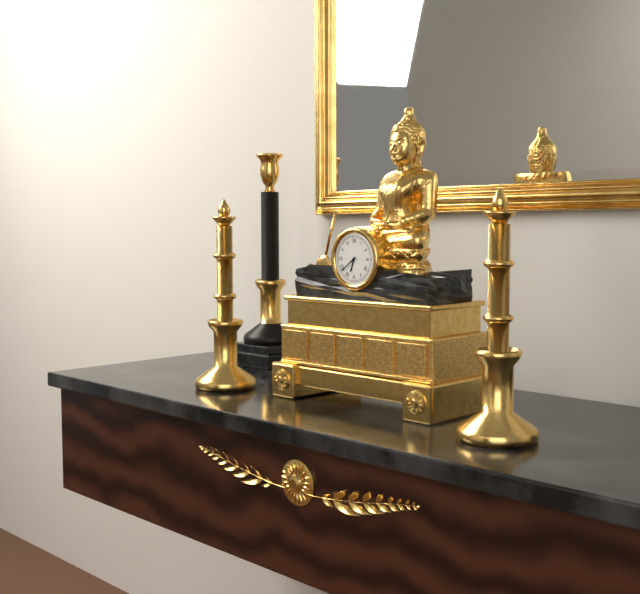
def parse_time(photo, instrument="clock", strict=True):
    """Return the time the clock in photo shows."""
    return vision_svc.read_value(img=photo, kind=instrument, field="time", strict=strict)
6:39
